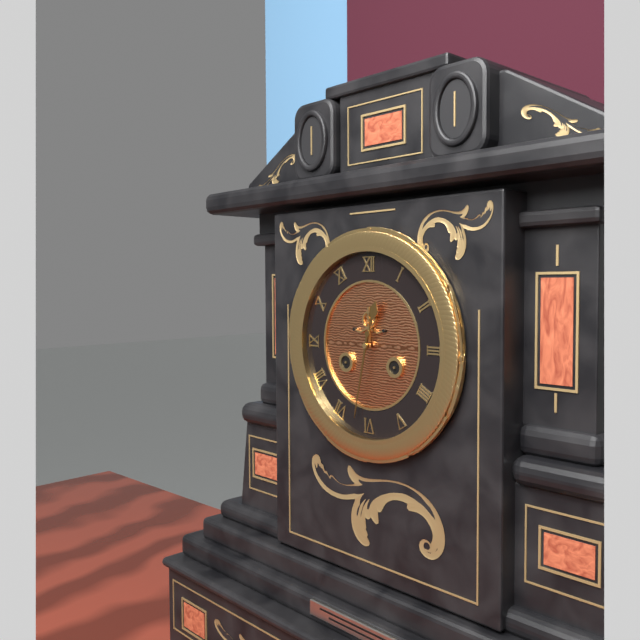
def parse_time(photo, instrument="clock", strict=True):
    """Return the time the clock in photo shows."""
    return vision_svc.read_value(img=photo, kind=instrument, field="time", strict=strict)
12:32
